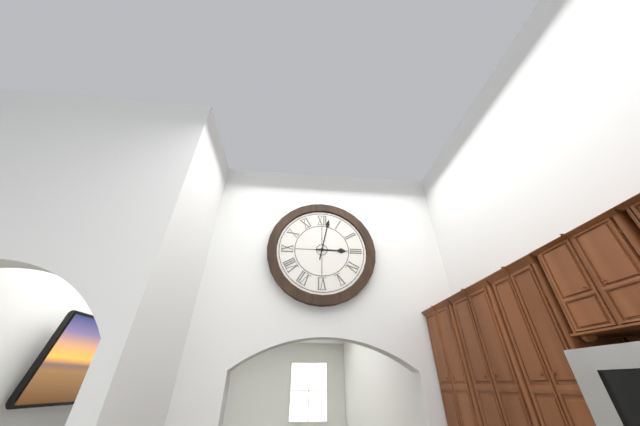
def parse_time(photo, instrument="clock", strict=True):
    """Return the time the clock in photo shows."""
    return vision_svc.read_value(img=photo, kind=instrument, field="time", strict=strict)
3:02
